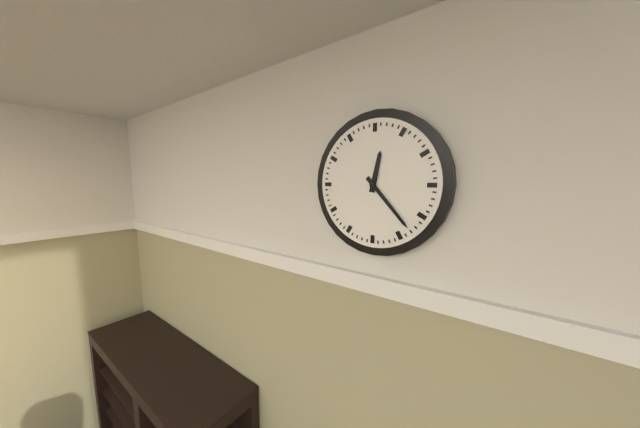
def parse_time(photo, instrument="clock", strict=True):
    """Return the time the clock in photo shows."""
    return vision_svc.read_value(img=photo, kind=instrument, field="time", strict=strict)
12:23
